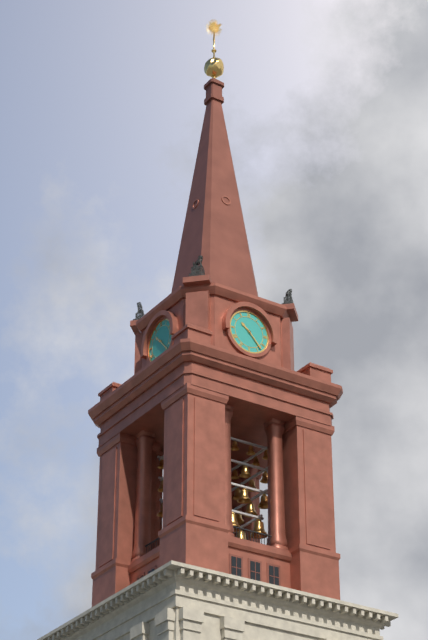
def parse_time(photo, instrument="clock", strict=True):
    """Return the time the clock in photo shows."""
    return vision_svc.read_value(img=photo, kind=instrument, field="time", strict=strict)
10:23
